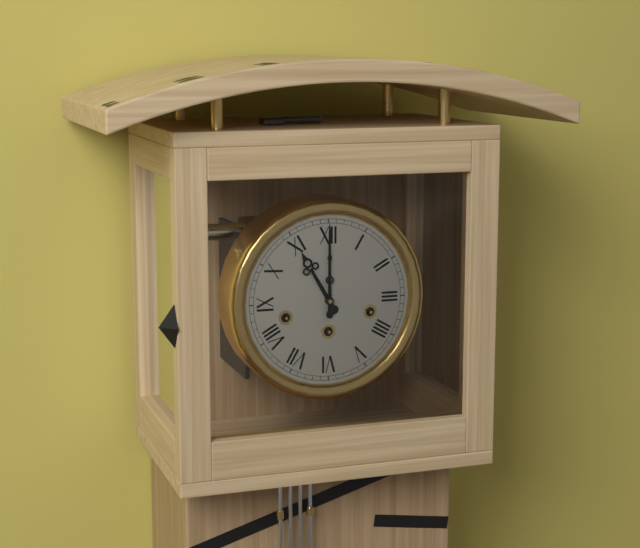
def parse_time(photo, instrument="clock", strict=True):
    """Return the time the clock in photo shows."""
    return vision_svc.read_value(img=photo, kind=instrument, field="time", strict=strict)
11:00
